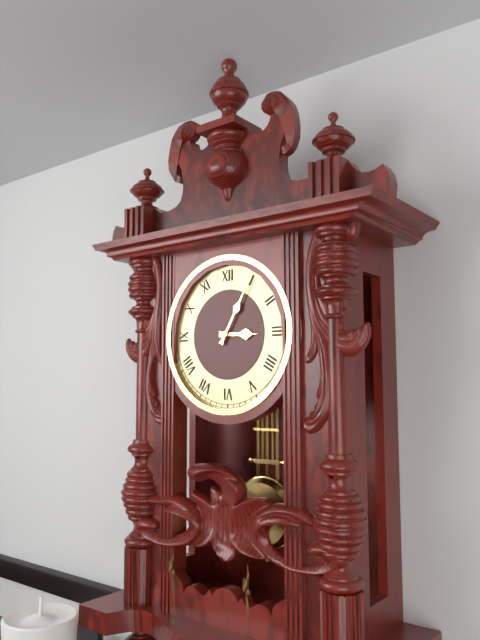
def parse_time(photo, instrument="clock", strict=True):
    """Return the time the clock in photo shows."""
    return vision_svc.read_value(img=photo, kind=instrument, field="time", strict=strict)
3:05
